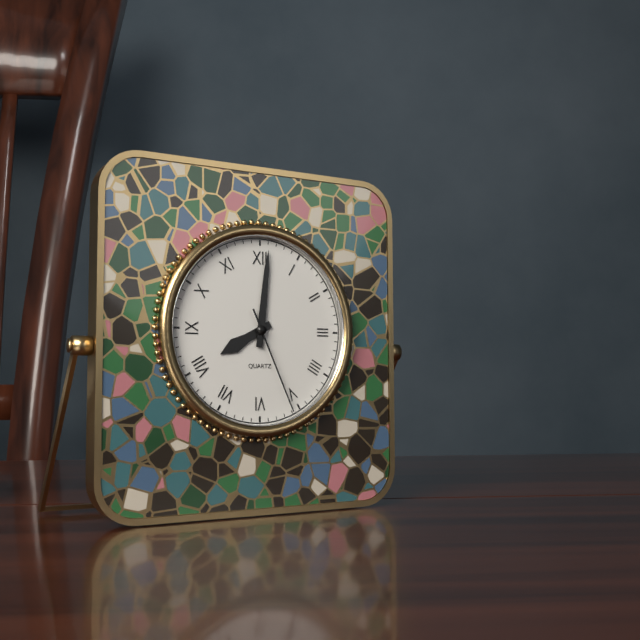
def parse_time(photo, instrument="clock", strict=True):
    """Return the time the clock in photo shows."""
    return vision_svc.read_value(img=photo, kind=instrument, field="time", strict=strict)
8:01:26
